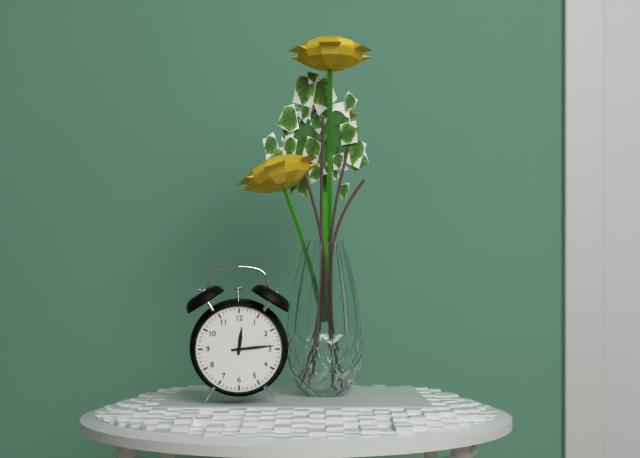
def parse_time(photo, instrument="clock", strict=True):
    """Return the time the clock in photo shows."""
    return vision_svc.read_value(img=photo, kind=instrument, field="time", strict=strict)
12:14
